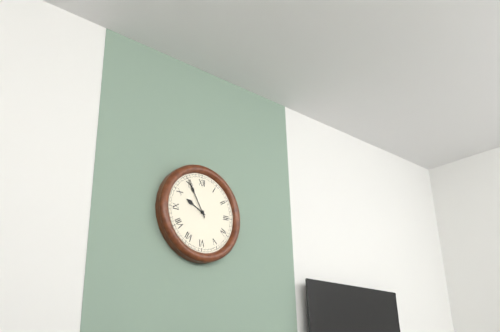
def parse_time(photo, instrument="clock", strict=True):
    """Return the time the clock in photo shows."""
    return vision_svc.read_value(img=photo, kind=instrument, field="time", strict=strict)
9:55
